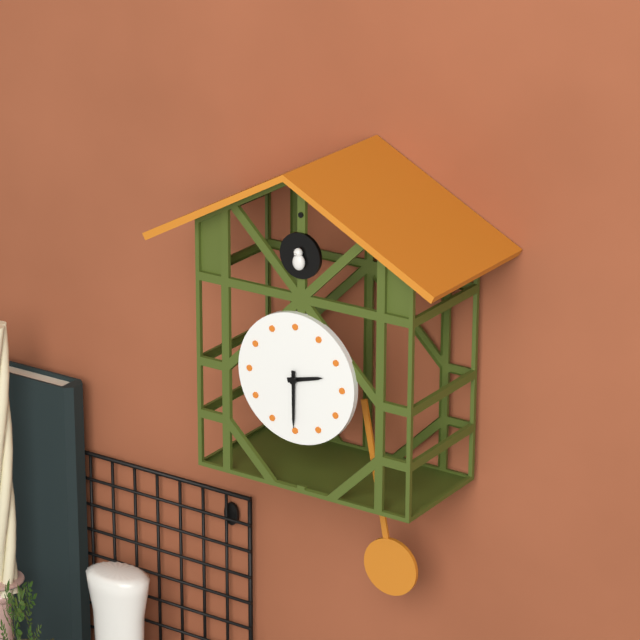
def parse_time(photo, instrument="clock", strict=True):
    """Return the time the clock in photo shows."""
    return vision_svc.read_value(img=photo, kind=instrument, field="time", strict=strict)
2:30
